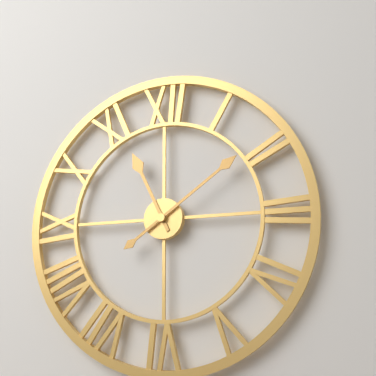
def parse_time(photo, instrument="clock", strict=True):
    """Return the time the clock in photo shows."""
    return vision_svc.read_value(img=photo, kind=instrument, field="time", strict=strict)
11:09
